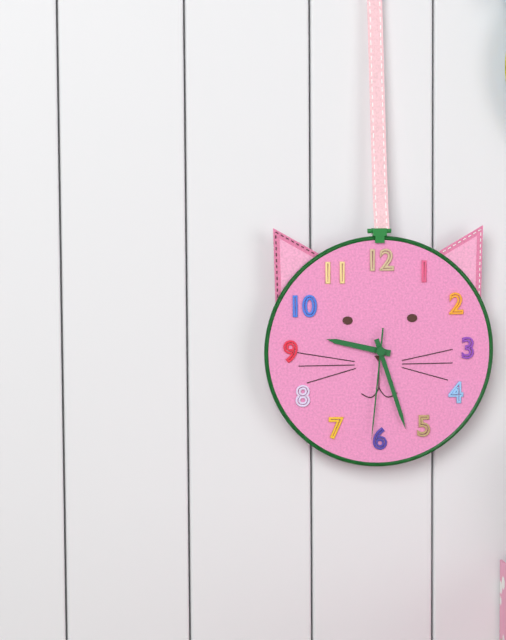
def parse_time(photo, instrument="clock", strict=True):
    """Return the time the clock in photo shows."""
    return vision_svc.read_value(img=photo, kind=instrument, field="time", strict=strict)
9:27:31
